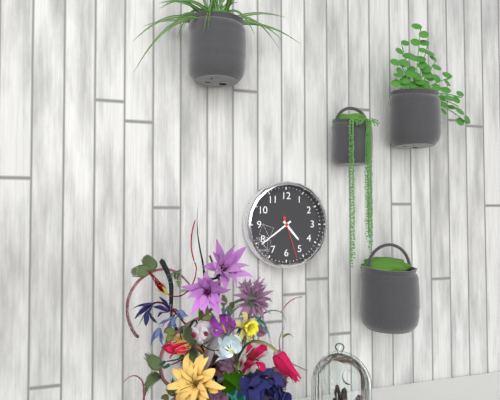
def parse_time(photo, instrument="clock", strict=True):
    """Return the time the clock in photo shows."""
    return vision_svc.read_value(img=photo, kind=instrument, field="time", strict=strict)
4:39
